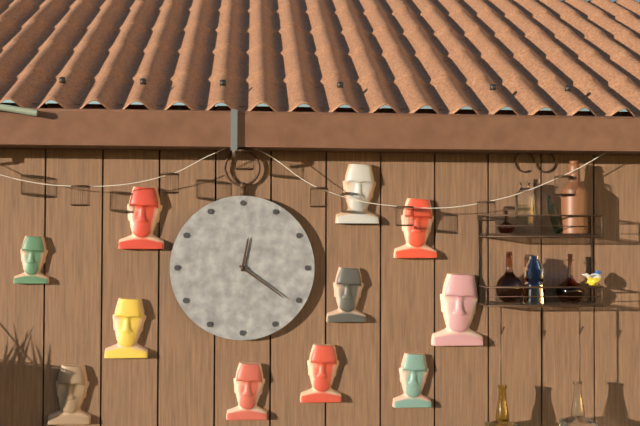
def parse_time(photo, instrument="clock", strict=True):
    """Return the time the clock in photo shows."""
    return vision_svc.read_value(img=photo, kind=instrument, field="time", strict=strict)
12:21
